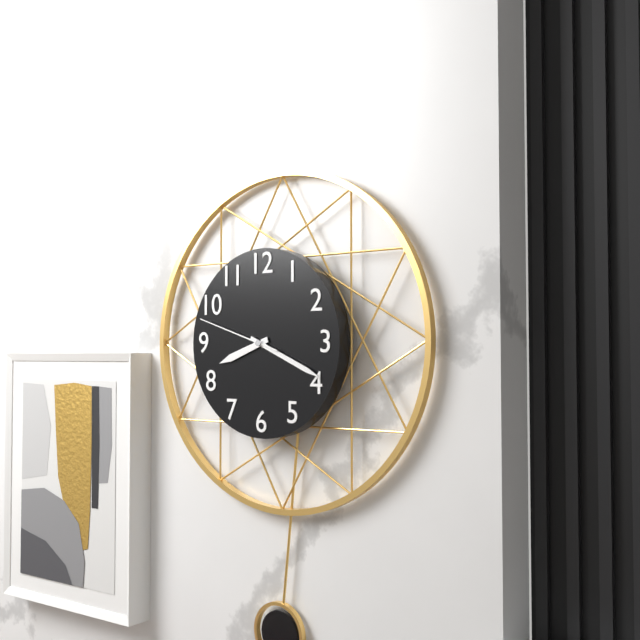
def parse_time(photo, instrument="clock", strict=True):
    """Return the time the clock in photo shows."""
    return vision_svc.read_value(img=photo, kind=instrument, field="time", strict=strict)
8:19:48
